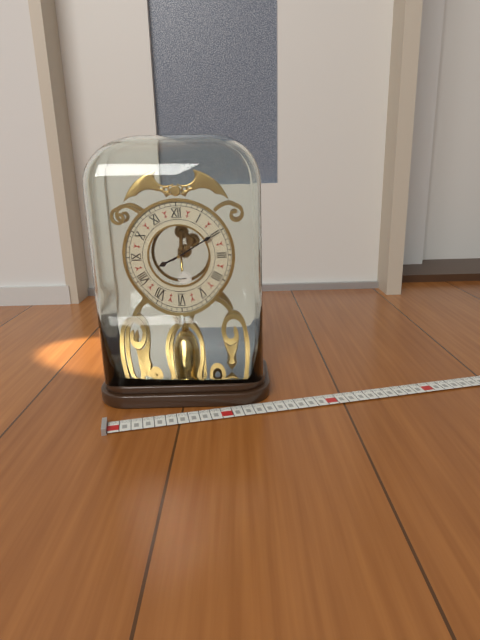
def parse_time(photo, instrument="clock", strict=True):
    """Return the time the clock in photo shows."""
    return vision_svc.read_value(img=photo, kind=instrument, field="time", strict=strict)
8:10
